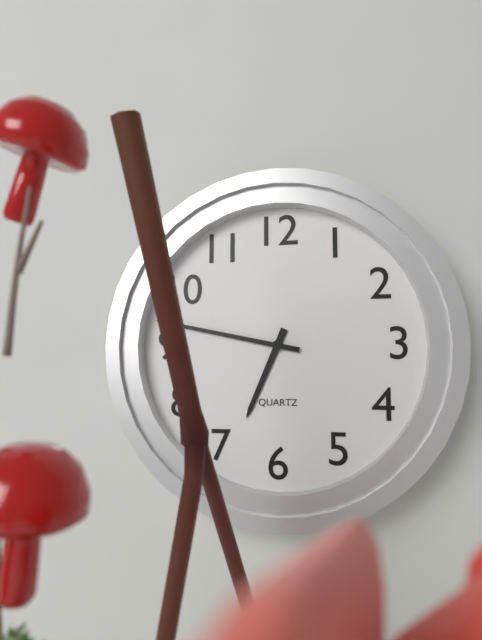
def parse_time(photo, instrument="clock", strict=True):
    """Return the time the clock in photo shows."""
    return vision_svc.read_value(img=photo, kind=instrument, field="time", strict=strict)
6:47
